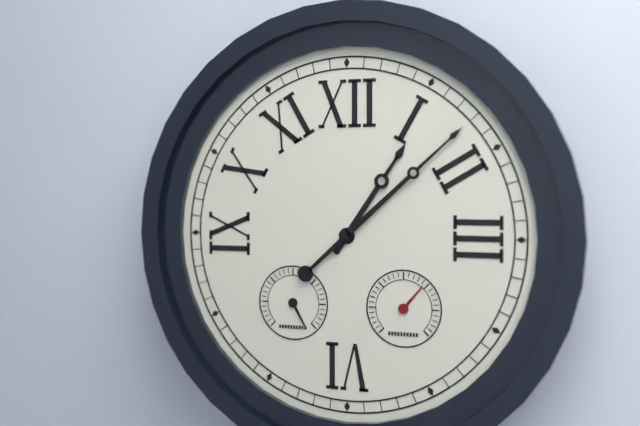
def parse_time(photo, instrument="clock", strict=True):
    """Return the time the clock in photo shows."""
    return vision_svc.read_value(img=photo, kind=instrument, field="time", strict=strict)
1:08
